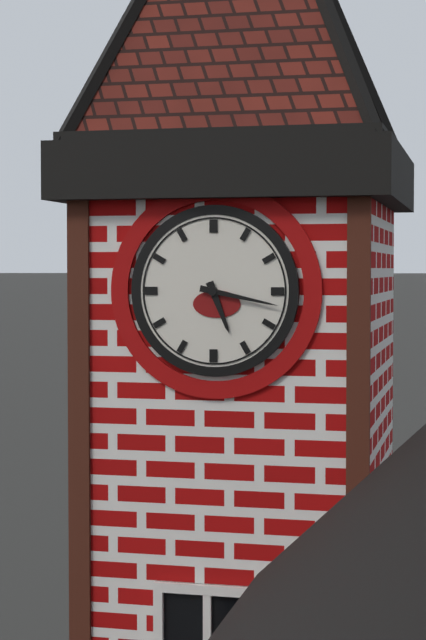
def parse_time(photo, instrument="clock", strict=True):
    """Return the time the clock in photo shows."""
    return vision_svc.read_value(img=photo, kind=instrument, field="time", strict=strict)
5:17
